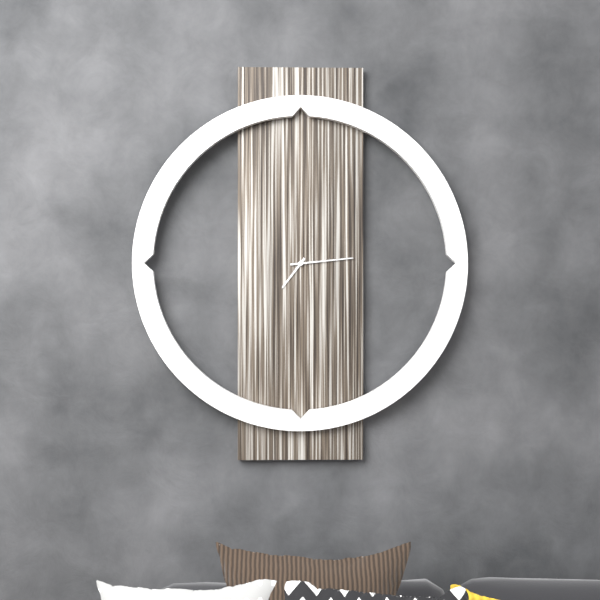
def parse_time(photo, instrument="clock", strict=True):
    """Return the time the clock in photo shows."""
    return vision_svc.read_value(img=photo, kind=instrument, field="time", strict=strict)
7:14
